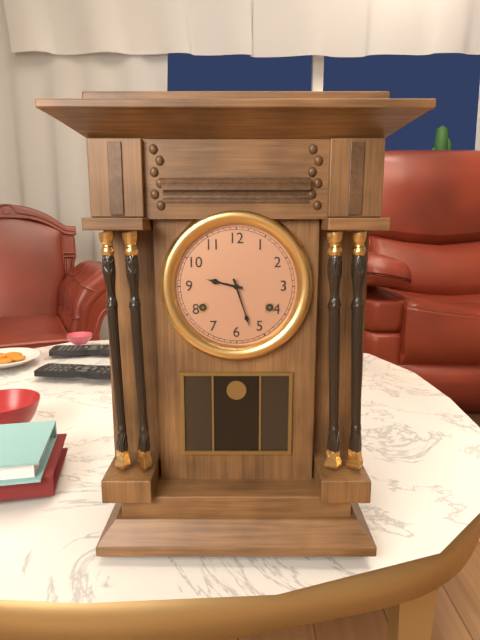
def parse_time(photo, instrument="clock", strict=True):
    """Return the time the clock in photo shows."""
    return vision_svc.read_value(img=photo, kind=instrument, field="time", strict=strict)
9:27
